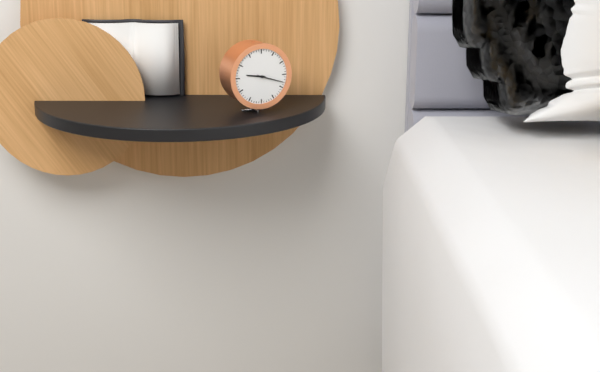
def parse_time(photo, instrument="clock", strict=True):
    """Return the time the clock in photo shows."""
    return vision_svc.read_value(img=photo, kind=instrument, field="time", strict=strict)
9:18
